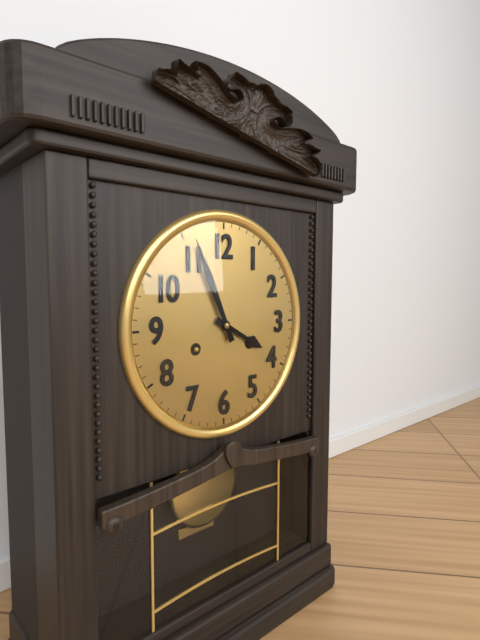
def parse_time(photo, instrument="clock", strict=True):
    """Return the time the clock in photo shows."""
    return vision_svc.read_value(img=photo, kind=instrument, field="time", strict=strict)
3:56
